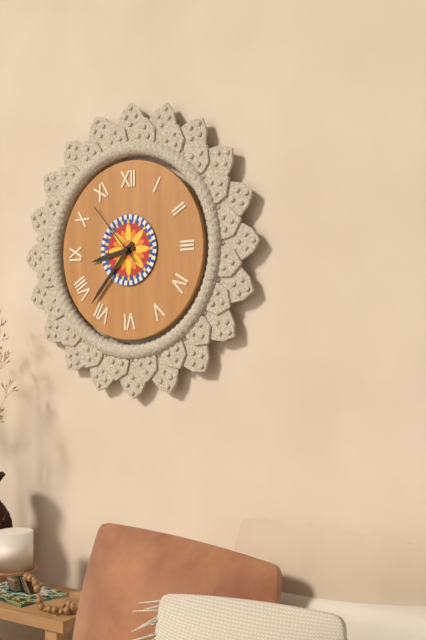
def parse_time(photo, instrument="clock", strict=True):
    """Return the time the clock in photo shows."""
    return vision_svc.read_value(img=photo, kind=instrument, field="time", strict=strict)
8:37:53
